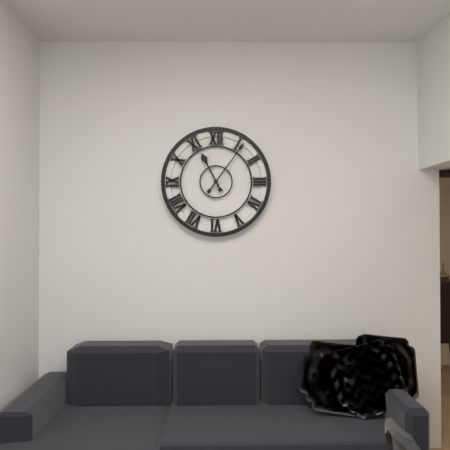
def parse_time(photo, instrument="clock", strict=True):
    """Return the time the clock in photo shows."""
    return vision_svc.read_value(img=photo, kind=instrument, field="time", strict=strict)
11:06
